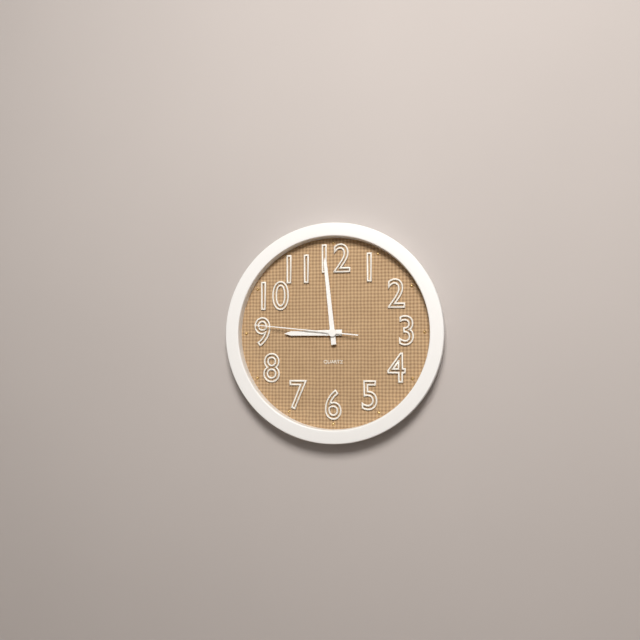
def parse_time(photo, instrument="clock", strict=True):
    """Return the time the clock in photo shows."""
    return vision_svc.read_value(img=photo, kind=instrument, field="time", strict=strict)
8:59:46
